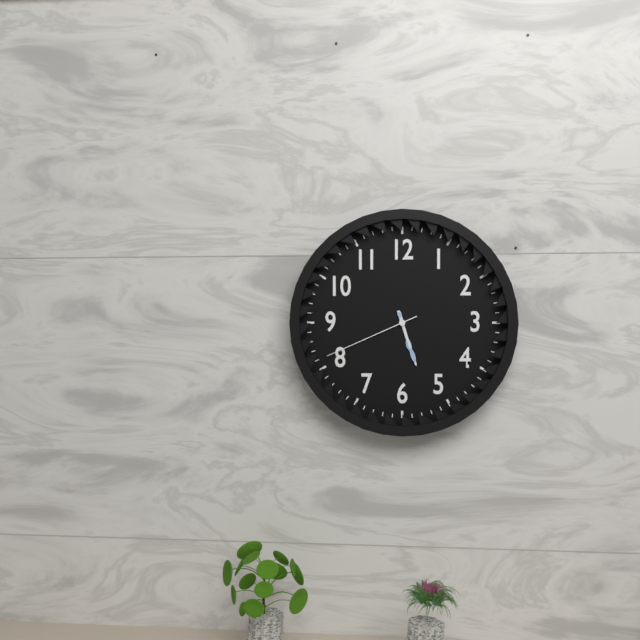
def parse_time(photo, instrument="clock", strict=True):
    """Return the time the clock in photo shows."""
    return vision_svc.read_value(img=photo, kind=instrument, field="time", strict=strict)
5:27:41
